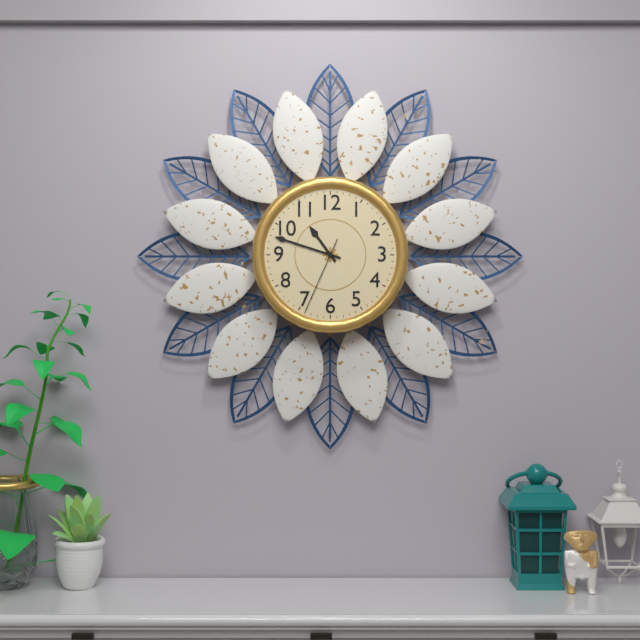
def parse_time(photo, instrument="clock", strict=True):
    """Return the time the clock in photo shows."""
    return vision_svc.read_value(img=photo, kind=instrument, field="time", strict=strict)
10:48:34
